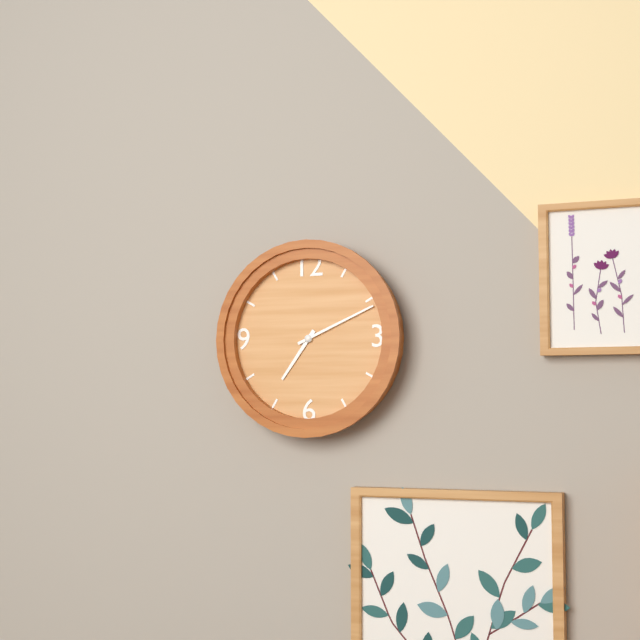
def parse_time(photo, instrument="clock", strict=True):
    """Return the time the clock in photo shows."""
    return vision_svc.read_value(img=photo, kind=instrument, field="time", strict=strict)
7:11
